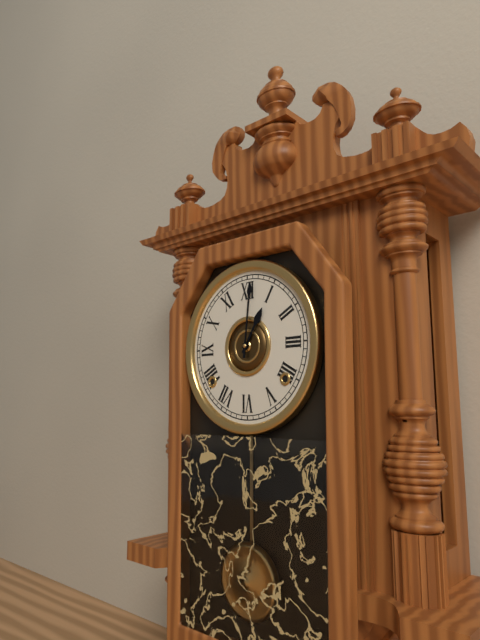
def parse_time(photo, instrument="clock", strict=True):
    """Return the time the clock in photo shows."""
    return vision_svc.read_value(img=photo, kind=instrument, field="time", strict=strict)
1:01
